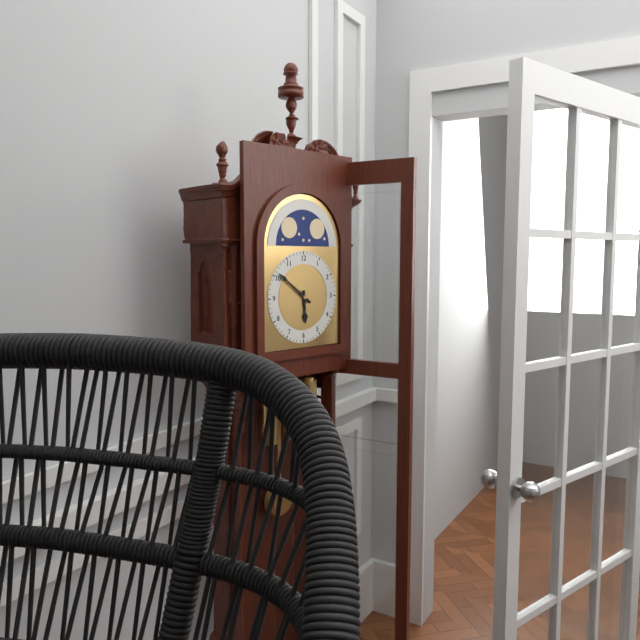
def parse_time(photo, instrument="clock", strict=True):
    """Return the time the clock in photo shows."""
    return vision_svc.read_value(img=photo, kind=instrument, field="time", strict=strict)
5:51
